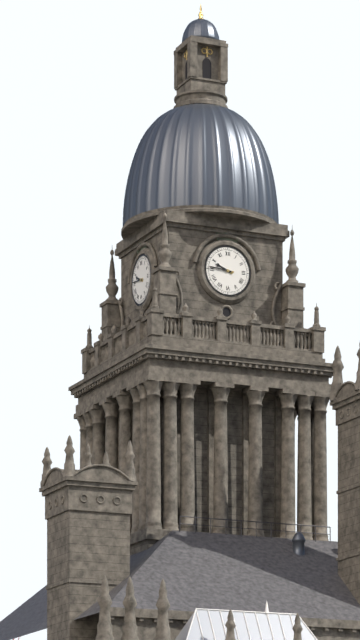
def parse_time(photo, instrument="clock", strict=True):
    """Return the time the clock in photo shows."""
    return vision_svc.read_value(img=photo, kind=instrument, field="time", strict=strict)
9:46
